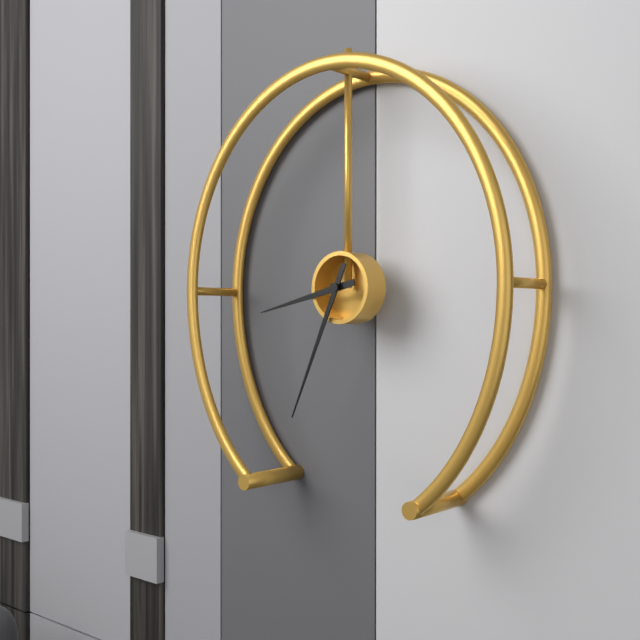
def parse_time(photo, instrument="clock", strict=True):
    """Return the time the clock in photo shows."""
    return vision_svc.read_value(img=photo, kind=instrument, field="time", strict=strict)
8:34
